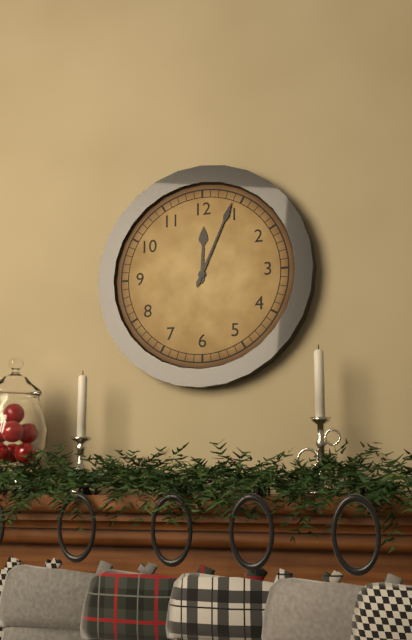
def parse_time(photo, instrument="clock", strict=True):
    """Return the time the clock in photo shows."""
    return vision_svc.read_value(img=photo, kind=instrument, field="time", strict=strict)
12:04
